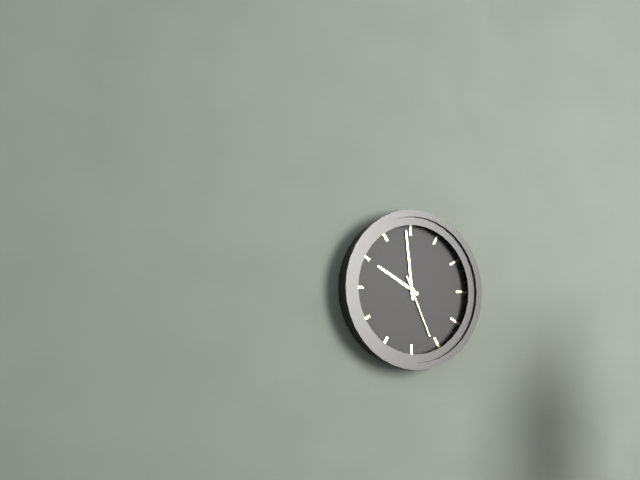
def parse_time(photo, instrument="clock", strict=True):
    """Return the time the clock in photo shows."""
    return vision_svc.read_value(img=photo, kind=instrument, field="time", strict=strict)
9:59:26
